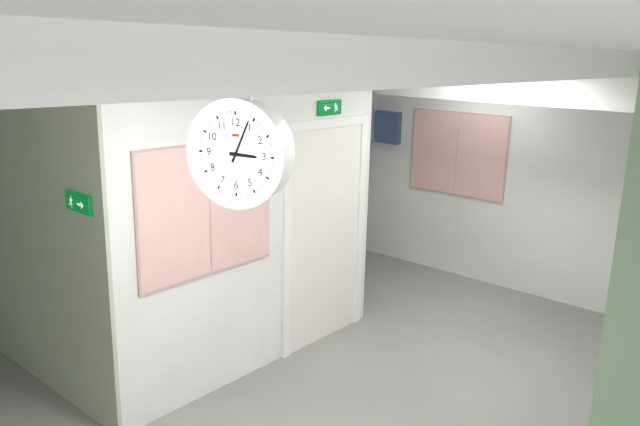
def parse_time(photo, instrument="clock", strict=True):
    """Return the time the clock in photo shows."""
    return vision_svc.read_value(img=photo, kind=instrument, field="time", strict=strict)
3:04
